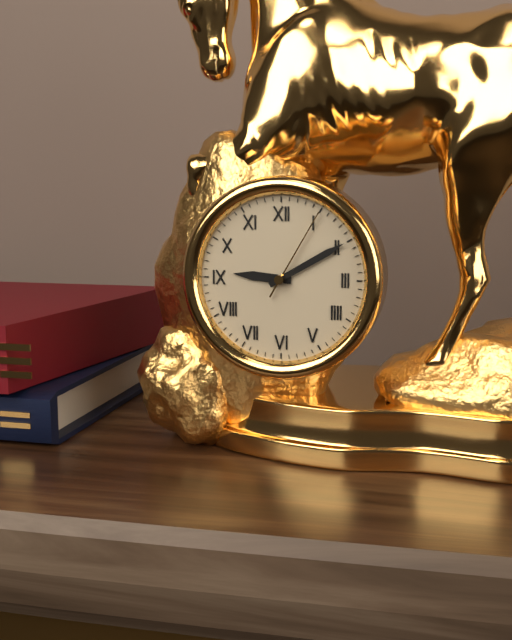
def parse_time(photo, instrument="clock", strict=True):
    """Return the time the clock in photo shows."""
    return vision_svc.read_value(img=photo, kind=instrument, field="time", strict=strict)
9:10:05
